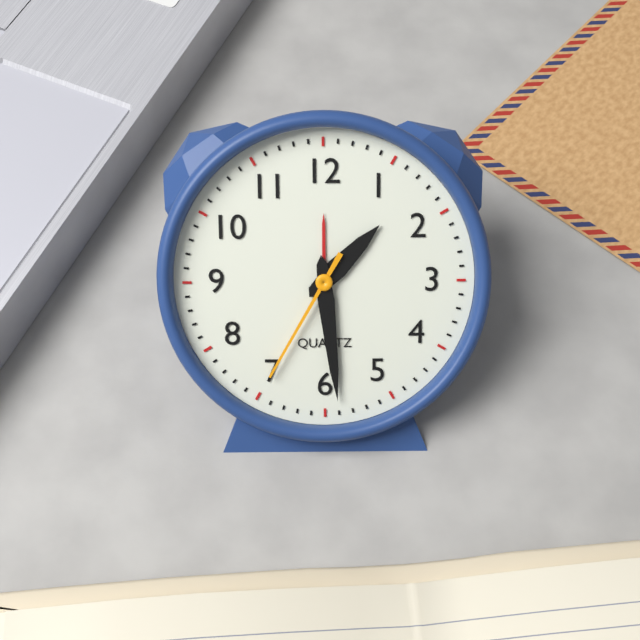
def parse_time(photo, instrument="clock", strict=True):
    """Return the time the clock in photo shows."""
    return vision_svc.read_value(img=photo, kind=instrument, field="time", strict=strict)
1:29:35
